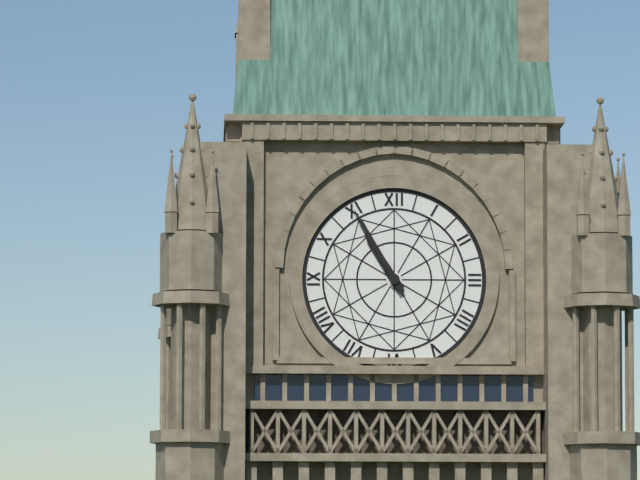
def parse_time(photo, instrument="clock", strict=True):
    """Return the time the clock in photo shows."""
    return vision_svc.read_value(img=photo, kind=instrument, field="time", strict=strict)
10:55
